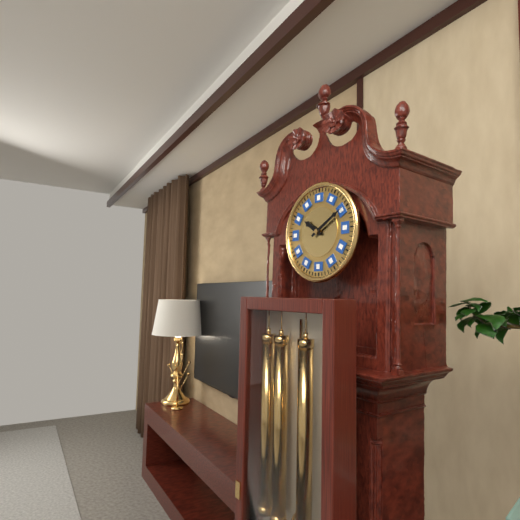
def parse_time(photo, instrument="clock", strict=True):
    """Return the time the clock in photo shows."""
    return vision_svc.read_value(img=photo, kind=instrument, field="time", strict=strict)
10:10
